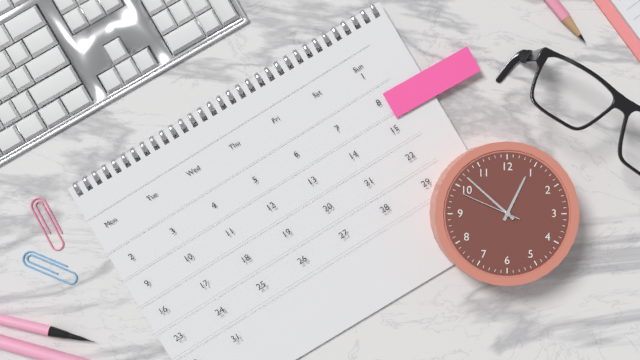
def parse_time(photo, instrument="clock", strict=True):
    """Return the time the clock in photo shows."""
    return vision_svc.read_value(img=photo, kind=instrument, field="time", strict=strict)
12:52
